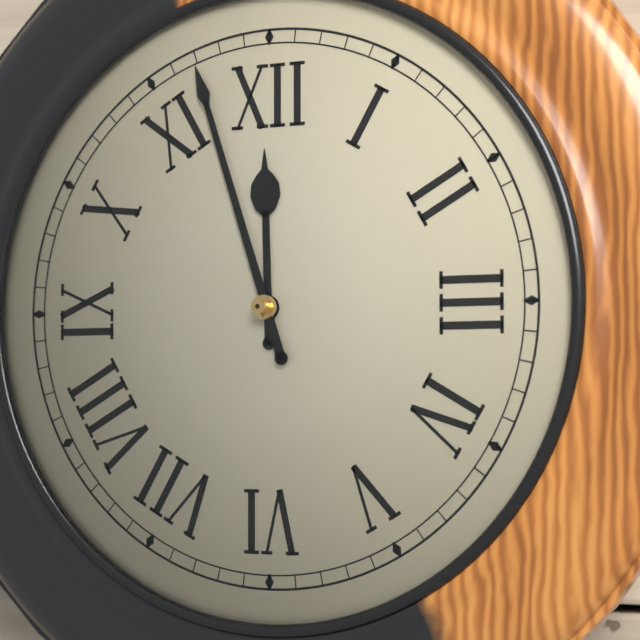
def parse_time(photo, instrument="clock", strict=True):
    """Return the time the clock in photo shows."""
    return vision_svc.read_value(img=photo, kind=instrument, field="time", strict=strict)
11:57
